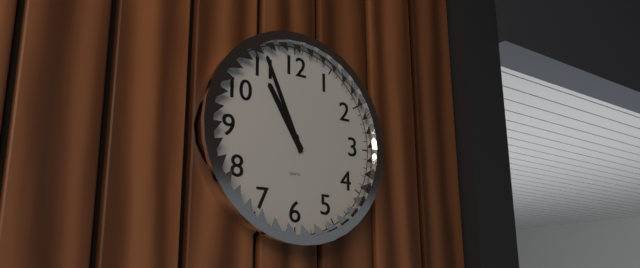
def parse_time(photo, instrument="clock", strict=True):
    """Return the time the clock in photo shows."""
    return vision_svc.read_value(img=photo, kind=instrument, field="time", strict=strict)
10:56
